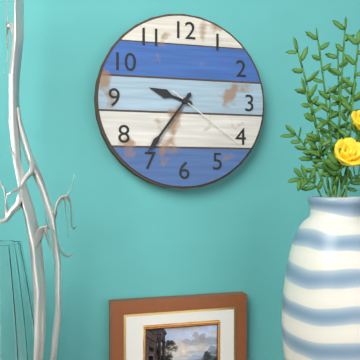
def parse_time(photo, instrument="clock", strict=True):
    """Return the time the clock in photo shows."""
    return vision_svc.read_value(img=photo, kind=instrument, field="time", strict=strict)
9:36:21
